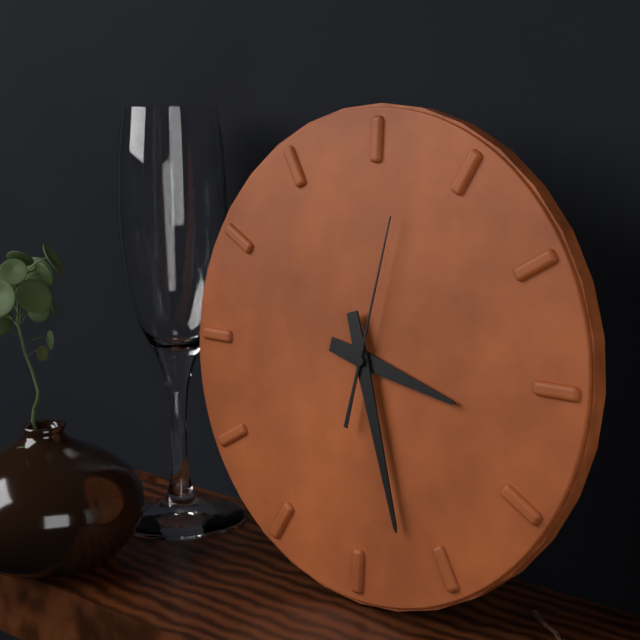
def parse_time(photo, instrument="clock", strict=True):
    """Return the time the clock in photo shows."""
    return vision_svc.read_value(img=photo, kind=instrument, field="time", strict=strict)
3:27:02
